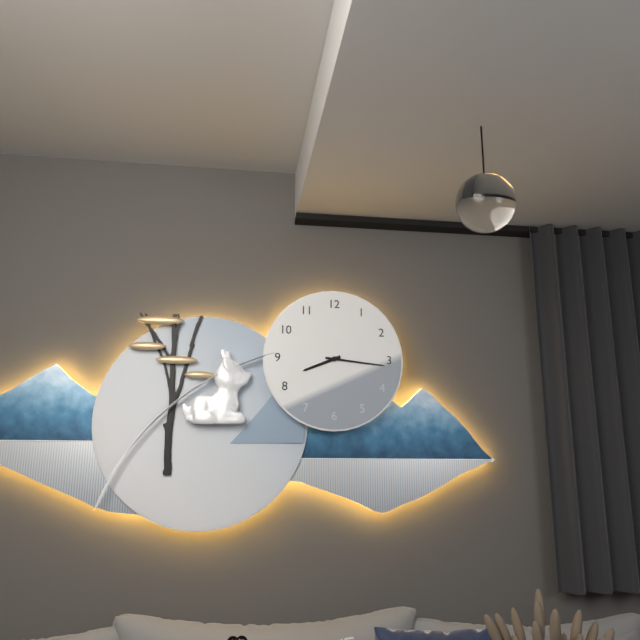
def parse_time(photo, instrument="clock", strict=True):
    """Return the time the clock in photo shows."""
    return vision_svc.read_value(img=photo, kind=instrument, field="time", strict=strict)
8:16
